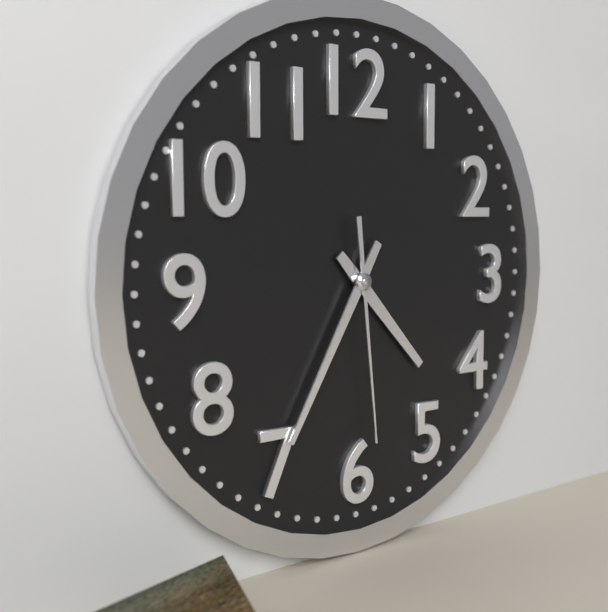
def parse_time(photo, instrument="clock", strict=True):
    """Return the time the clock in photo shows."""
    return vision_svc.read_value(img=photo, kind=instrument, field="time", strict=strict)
4:35:29
